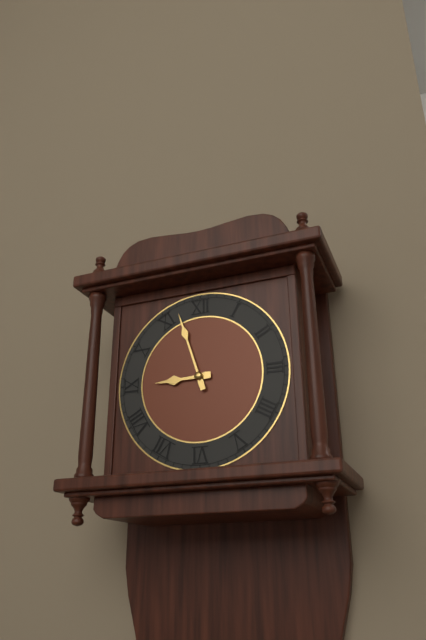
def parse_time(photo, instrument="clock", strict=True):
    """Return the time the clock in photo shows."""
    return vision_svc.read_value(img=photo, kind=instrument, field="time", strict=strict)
8:57
